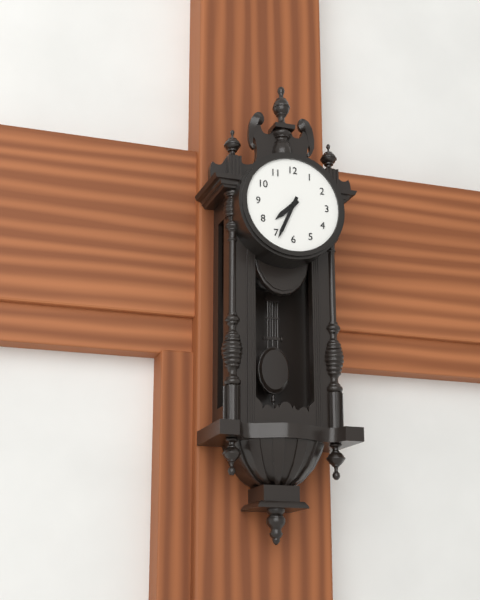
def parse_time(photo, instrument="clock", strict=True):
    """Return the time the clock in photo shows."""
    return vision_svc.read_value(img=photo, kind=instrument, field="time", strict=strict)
7:34
